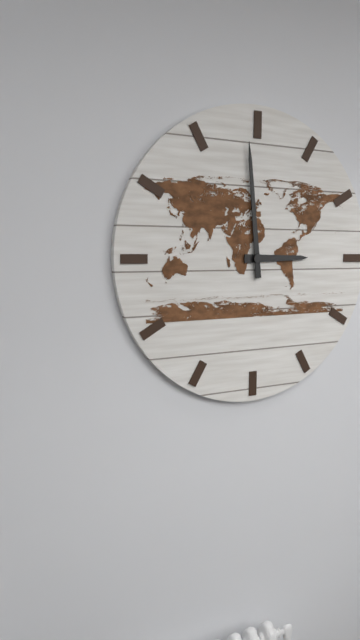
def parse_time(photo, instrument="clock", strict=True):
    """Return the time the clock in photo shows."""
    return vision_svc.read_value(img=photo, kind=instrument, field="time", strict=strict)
2:59
